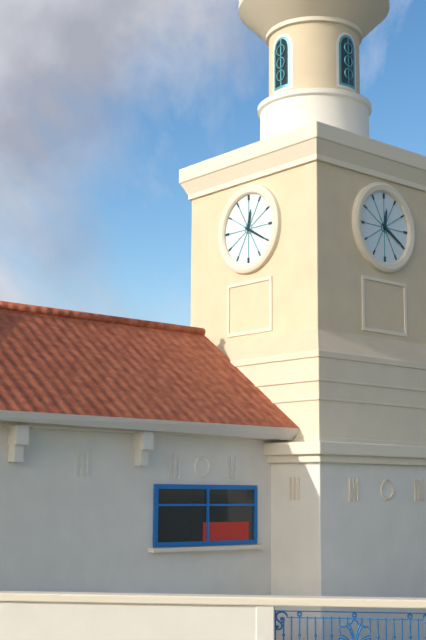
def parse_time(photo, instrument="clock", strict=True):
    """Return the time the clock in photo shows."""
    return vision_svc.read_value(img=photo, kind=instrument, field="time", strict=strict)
12:20
